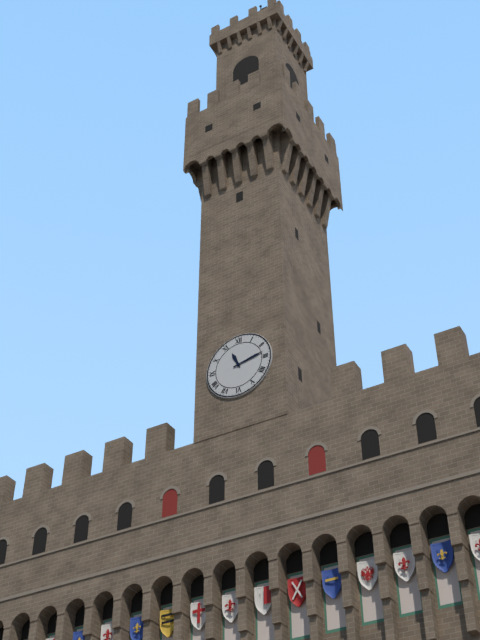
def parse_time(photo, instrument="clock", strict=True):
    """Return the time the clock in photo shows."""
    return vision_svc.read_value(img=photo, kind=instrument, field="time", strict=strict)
11:13
